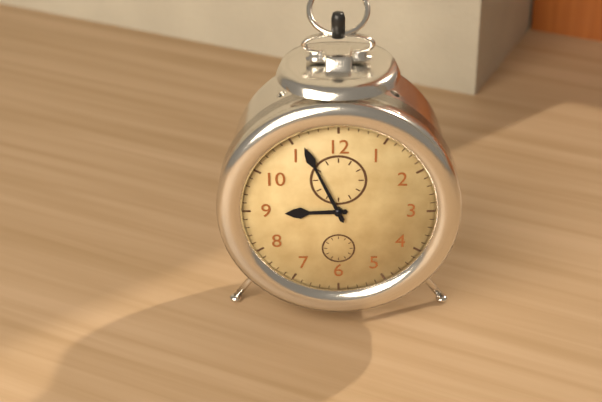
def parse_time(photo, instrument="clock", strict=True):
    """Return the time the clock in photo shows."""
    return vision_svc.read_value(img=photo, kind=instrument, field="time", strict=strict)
8:56
